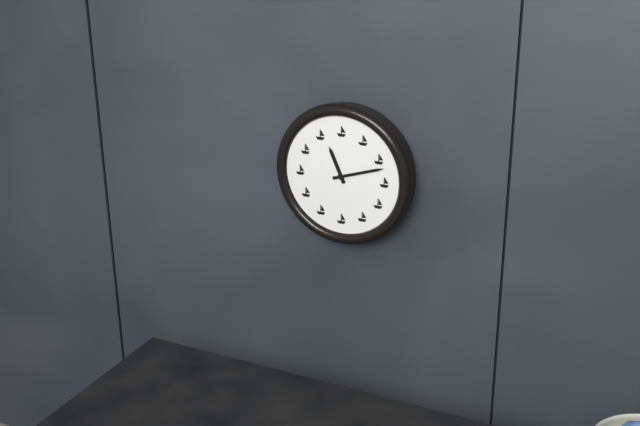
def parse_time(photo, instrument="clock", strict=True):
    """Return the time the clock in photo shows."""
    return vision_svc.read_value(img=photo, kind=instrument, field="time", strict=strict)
11:12
